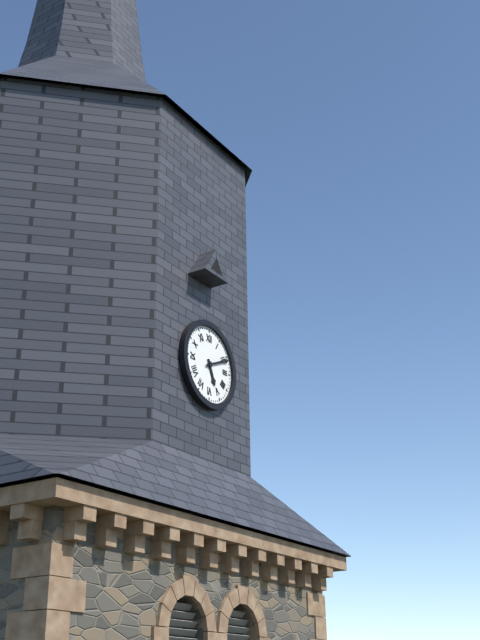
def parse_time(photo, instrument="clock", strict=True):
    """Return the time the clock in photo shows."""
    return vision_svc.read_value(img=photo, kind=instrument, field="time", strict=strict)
5:11
